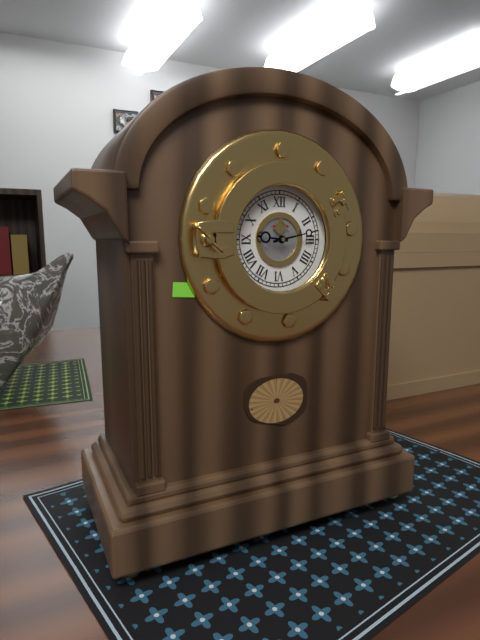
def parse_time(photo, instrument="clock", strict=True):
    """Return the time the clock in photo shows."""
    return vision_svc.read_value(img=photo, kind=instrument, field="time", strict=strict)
9:13
